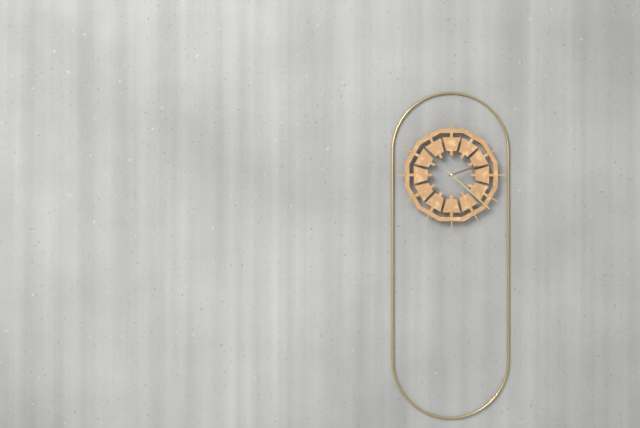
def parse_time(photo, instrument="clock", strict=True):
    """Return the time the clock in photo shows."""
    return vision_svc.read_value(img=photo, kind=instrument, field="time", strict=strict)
2:22
